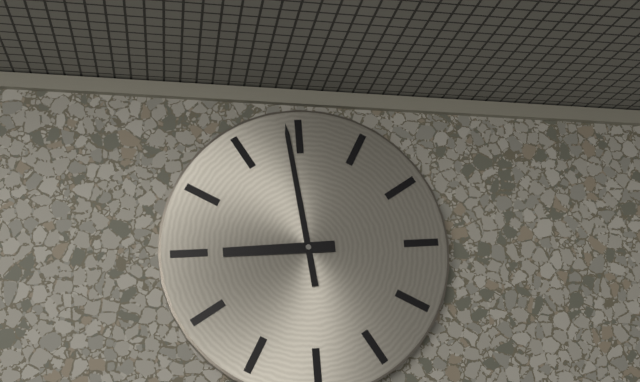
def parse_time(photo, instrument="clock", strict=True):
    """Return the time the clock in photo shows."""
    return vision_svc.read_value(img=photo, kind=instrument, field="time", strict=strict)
8:59
